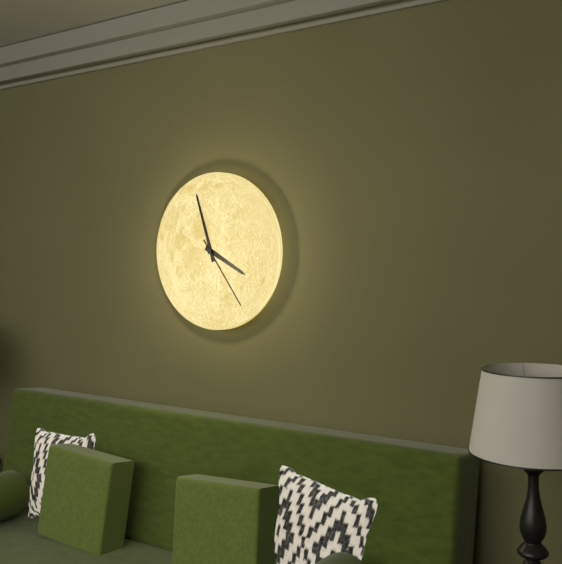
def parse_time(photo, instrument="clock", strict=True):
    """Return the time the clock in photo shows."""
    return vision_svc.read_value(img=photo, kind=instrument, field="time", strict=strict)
3:57:24
